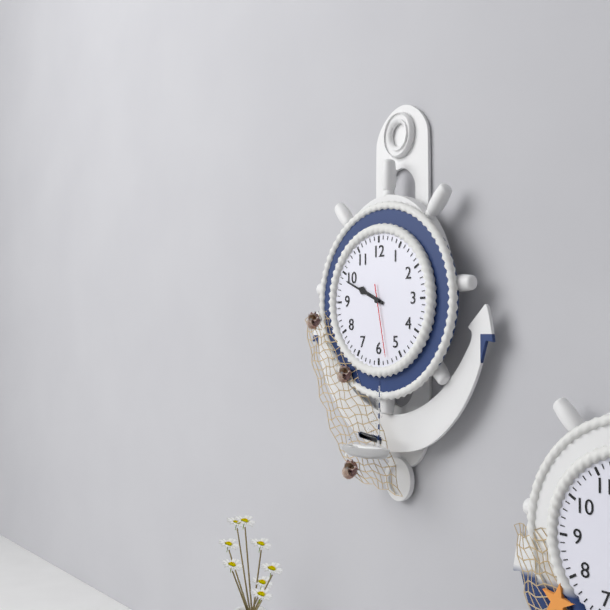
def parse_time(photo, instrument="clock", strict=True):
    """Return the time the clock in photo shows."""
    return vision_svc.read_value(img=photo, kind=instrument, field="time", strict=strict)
9:49:28
